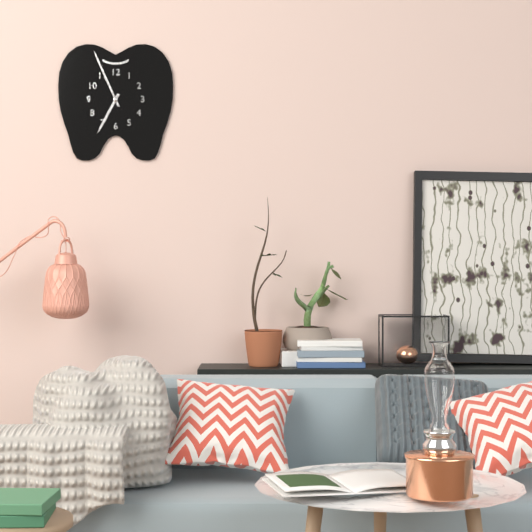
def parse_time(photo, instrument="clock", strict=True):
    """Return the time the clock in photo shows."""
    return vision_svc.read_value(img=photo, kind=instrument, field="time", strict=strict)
6:56
